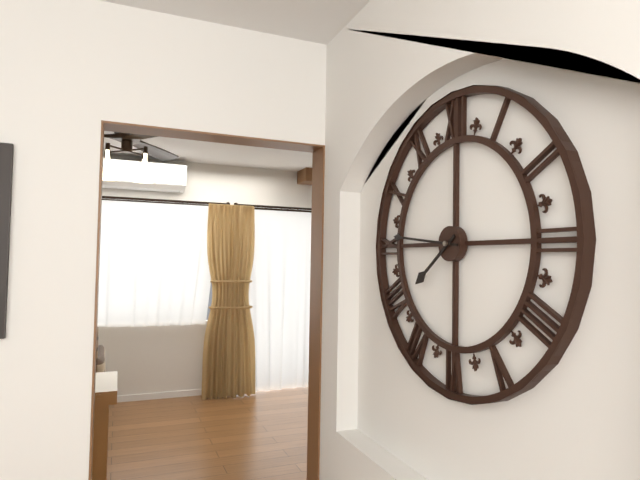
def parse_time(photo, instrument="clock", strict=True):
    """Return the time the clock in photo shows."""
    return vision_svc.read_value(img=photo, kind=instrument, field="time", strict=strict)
7:46
